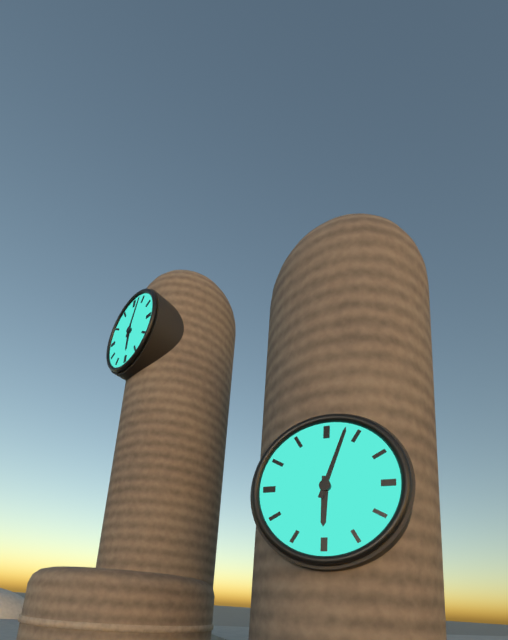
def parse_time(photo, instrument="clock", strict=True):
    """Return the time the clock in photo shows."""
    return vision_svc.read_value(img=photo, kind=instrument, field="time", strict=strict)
6:03
